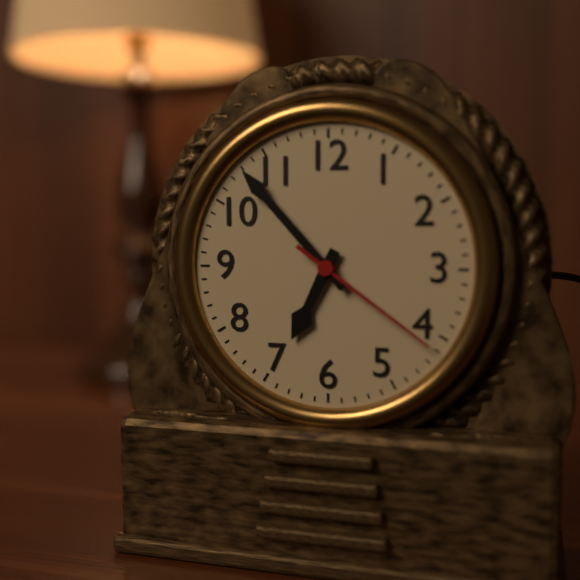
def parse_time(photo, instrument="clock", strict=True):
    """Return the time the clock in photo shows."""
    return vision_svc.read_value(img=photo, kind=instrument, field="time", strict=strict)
6:53:21
